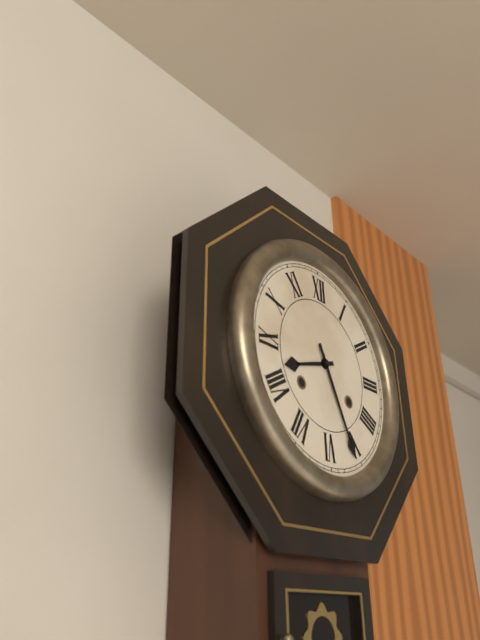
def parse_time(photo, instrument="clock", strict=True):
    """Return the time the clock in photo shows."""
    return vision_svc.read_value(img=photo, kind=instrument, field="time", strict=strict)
8:26
